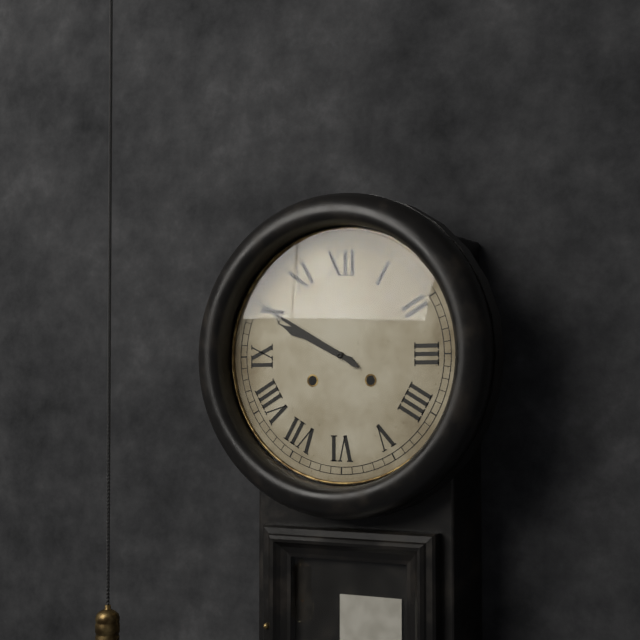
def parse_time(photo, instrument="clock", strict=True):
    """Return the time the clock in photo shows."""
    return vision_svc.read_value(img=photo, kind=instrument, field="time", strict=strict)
9:50
